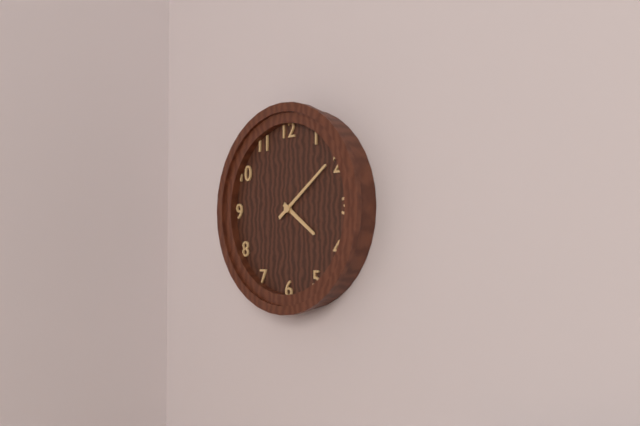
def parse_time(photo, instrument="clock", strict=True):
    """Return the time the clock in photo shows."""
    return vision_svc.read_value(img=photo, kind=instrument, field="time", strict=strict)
4:09
